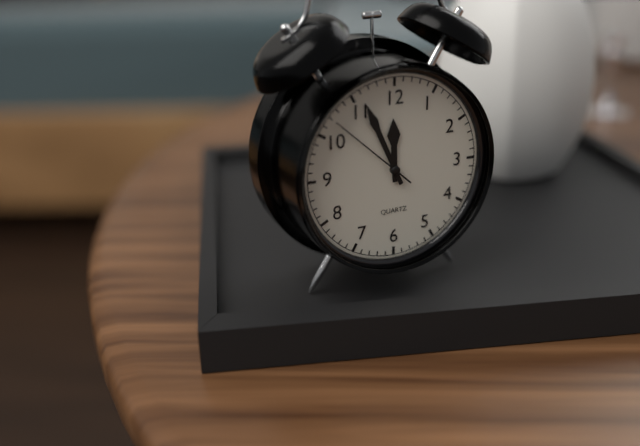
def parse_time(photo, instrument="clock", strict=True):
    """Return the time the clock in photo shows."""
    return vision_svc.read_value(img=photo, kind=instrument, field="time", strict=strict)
11:56:52
